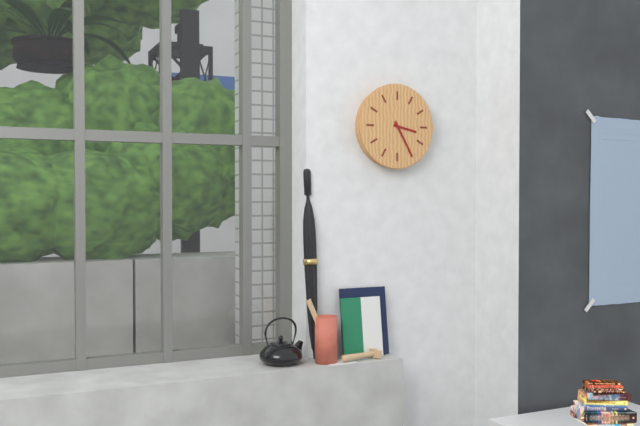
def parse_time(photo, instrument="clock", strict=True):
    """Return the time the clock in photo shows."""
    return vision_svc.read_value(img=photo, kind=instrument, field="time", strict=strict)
3:25
